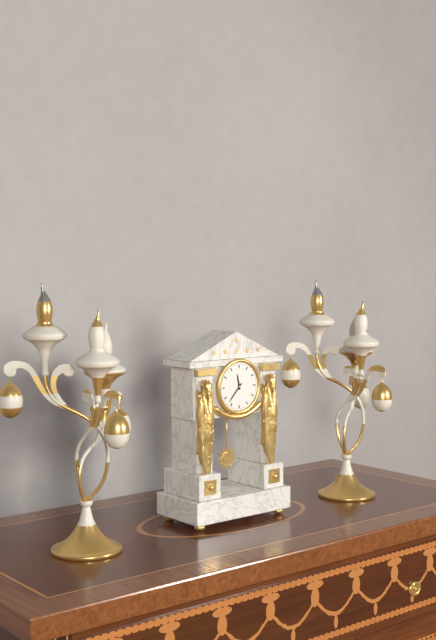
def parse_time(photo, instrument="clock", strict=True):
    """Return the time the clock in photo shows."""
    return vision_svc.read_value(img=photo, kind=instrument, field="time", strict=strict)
11:37
